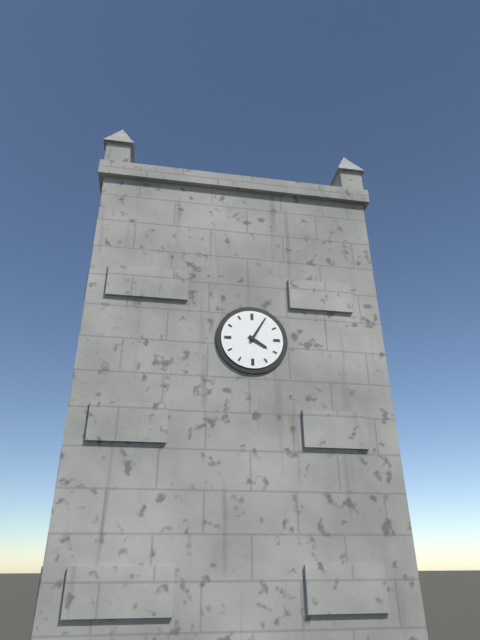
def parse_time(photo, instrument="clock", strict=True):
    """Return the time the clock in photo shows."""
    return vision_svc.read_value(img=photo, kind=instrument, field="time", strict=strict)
4:05
